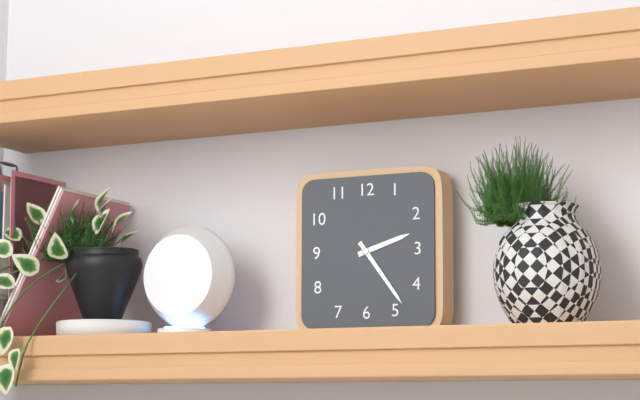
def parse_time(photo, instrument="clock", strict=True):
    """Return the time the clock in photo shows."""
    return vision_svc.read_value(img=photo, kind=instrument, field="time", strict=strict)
2:24
